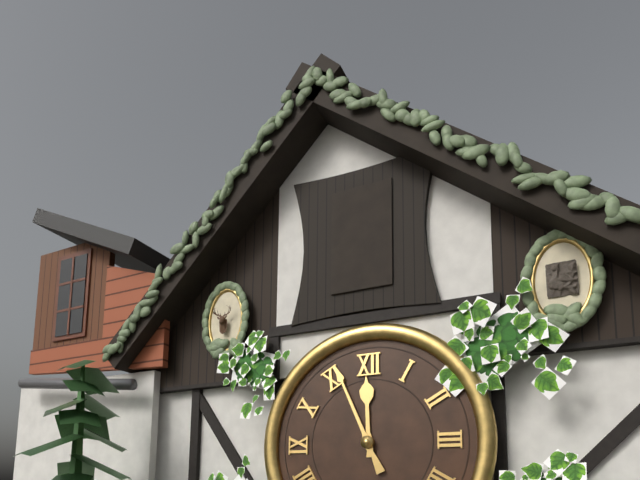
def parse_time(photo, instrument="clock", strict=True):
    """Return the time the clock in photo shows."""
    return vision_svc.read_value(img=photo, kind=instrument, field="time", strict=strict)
11:56
